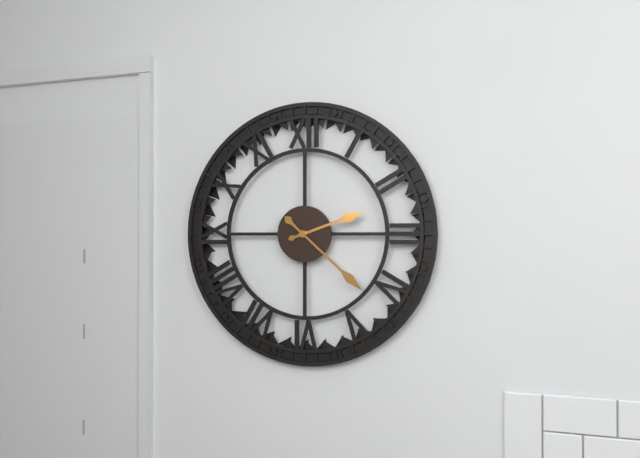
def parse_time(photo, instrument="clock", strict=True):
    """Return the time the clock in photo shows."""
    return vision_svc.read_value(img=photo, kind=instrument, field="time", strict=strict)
2:22
